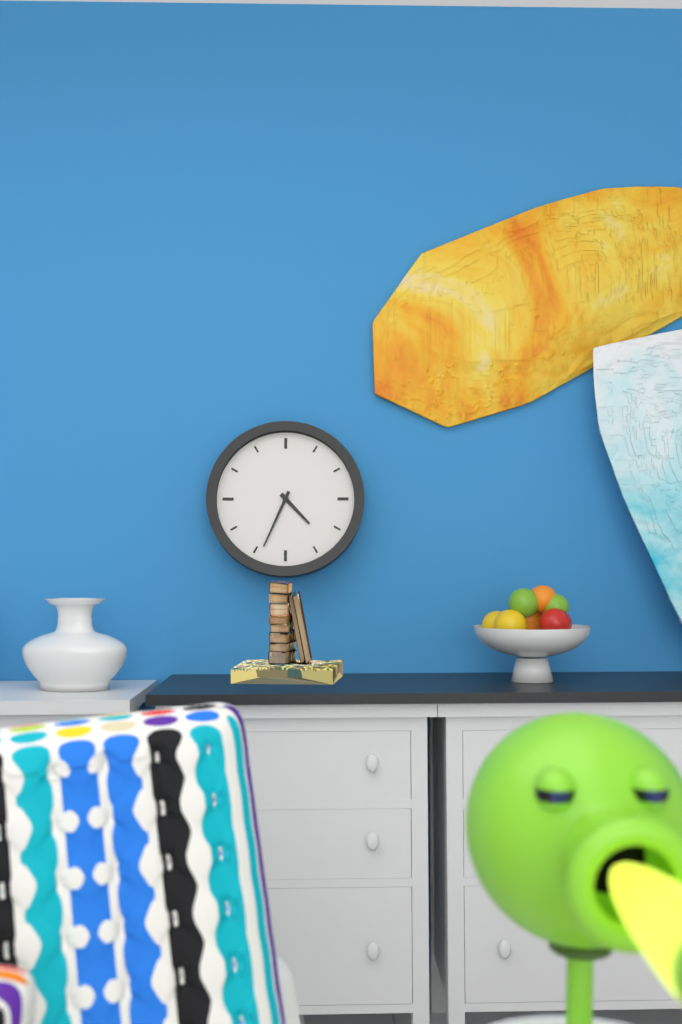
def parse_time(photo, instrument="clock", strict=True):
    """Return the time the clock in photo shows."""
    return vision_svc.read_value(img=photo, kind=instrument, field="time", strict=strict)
4:34
